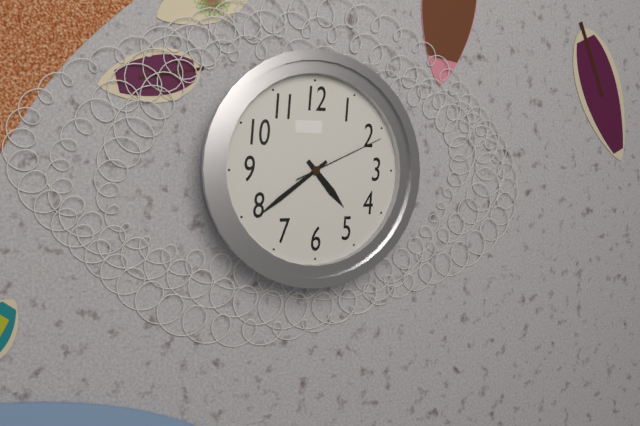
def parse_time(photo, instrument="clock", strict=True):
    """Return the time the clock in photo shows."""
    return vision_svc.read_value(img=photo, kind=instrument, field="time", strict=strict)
4:39:11
